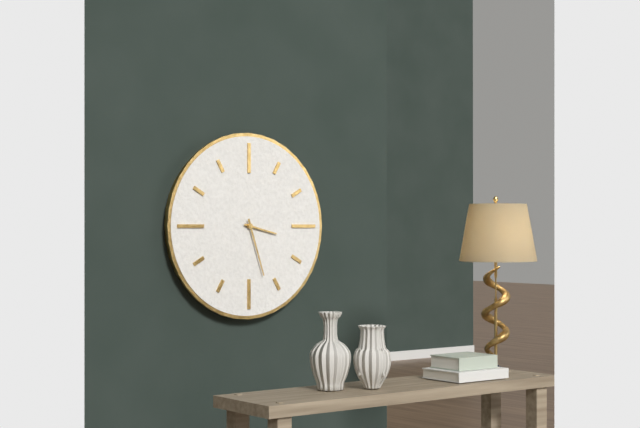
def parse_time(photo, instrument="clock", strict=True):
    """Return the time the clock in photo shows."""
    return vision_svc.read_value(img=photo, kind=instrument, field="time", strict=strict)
3:27
